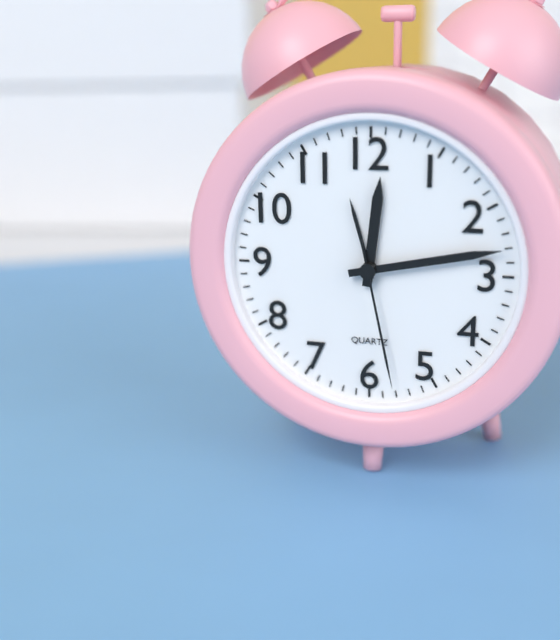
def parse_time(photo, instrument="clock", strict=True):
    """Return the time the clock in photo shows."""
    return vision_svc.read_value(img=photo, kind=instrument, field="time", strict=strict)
12:13:28
